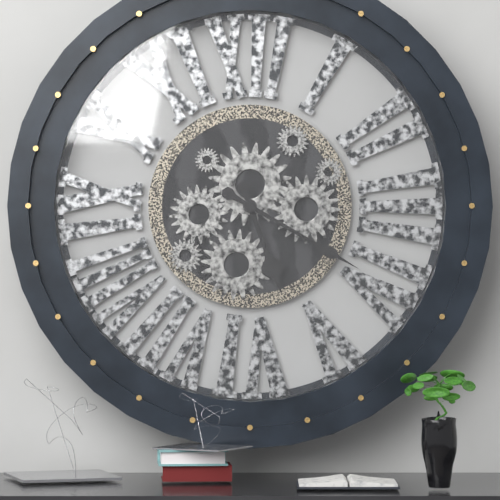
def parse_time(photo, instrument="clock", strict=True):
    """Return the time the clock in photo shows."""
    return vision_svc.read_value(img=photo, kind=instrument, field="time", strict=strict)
5:20
